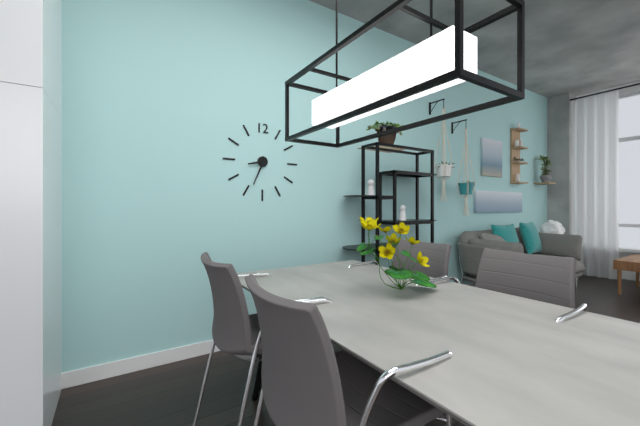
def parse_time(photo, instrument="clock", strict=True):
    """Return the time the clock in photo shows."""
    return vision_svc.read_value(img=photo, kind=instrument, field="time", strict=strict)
8:34
